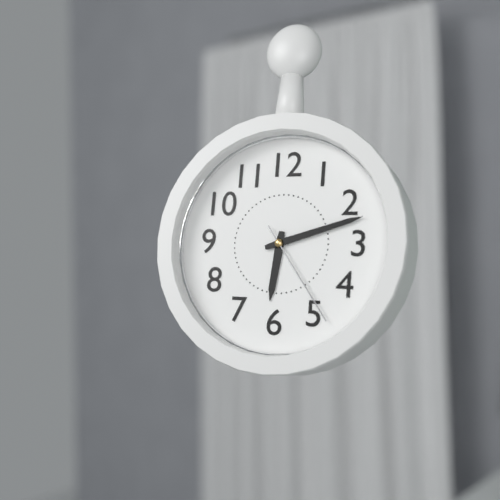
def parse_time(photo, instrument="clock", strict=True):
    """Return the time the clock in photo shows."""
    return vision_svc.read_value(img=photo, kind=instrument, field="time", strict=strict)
6:12:24
